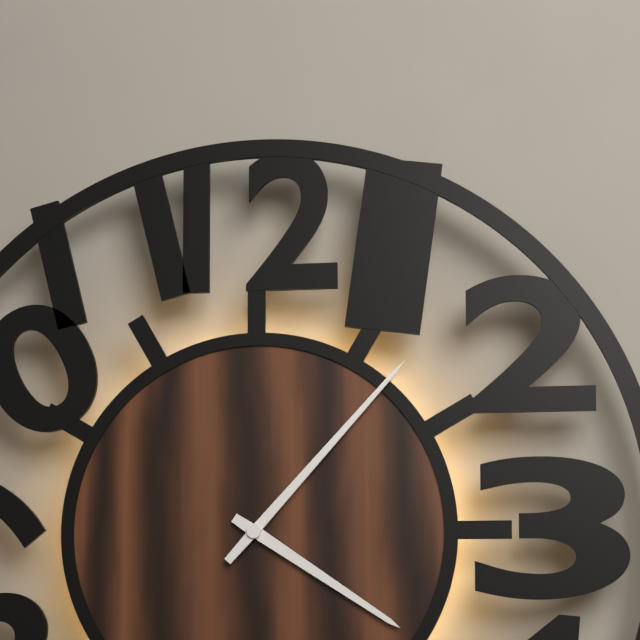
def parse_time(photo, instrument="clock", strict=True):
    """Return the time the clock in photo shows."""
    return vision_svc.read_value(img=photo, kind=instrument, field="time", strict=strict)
4:07
